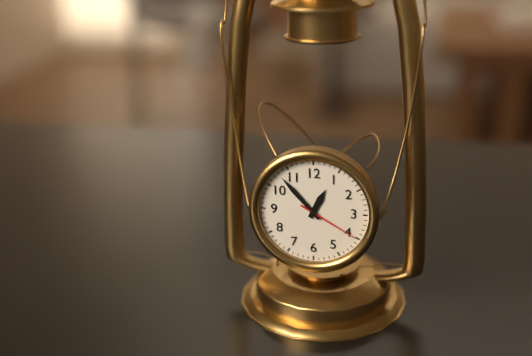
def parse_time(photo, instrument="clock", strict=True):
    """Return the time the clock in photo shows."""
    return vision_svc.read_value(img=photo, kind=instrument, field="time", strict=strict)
12:53:20
